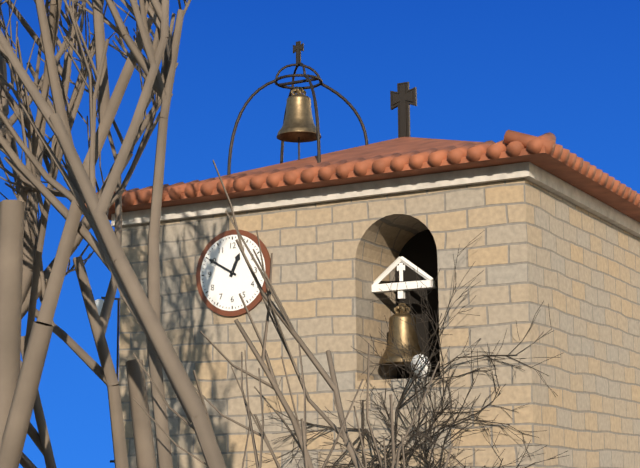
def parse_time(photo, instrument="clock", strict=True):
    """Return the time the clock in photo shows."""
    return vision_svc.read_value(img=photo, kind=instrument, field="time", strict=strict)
12:50
